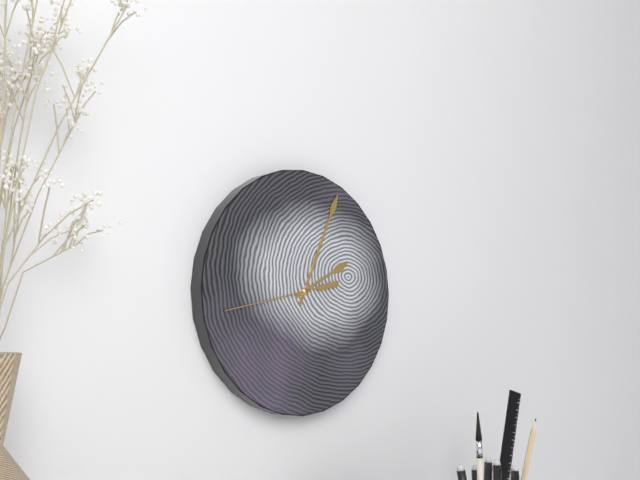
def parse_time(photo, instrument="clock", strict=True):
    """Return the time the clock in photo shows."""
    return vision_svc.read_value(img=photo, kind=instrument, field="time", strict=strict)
2:04:43
